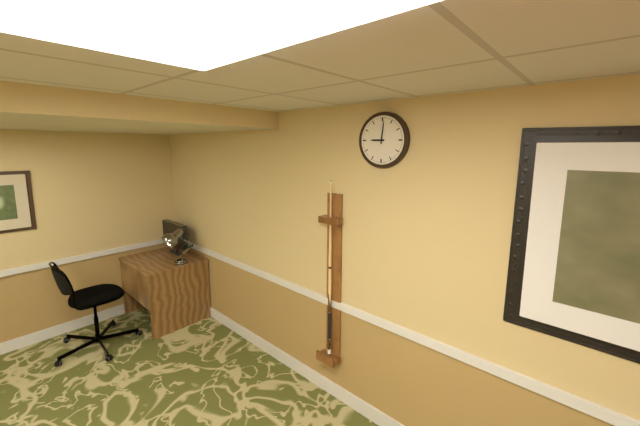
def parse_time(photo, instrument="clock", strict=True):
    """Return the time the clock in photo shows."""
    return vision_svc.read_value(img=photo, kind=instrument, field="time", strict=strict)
9:01
